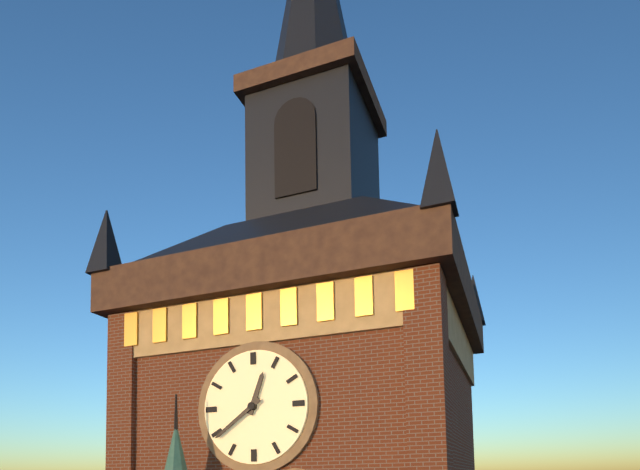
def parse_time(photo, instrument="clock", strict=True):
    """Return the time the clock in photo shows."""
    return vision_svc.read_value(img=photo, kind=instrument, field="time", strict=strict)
12:39
